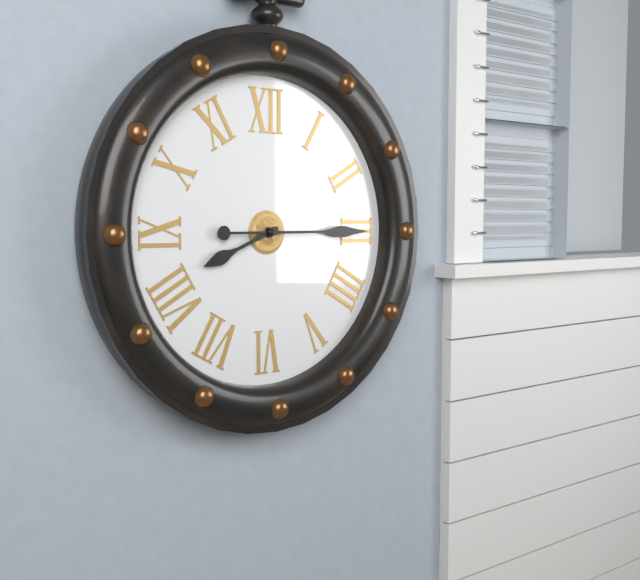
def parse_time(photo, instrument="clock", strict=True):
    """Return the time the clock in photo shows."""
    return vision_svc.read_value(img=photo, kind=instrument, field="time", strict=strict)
8:15
